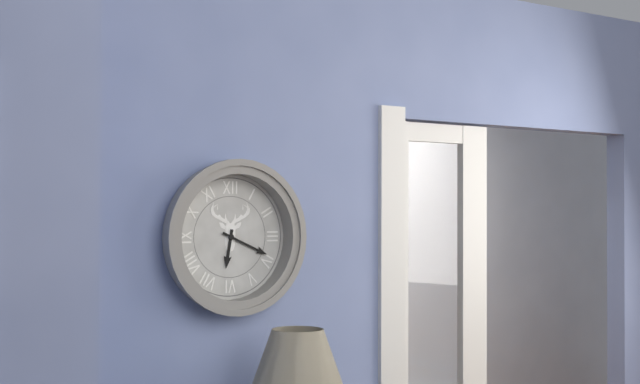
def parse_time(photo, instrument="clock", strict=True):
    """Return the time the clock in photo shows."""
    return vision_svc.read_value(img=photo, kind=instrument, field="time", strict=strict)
6:19
